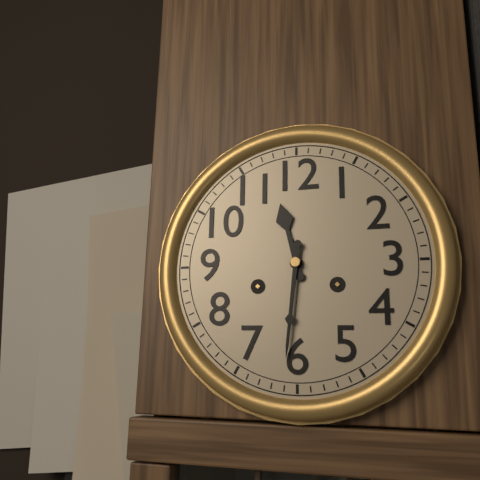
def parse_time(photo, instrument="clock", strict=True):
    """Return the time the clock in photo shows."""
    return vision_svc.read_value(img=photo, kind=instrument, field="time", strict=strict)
11:31
